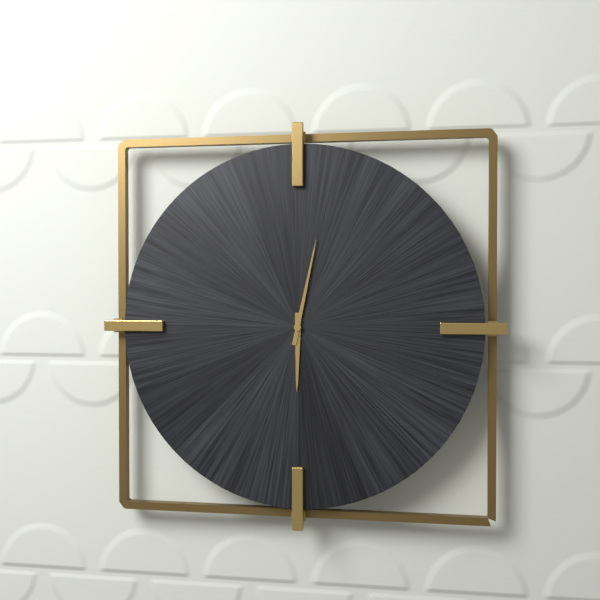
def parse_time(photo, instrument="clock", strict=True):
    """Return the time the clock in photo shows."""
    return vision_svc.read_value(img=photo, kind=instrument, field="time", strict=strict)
6:02
